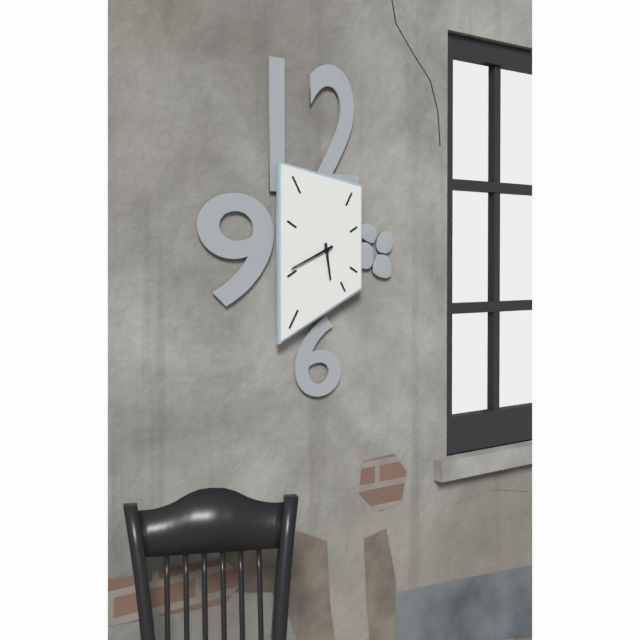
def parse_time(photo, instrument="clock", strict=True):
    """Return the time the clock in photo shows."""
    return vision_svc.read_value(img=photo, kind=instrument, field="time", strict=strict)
5:41
